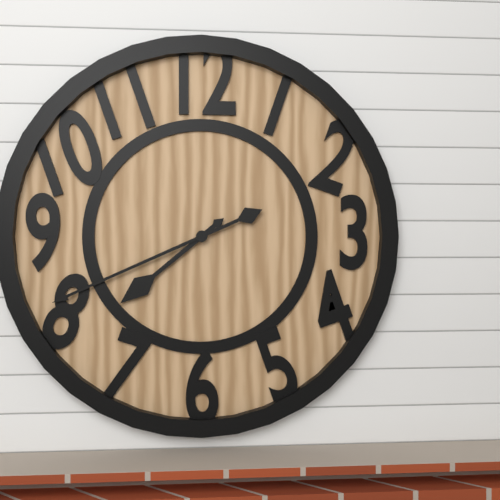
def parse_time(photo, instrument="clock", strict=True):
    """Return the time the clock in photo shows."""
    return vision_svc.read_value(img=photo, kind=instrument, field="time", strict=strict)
7:41
